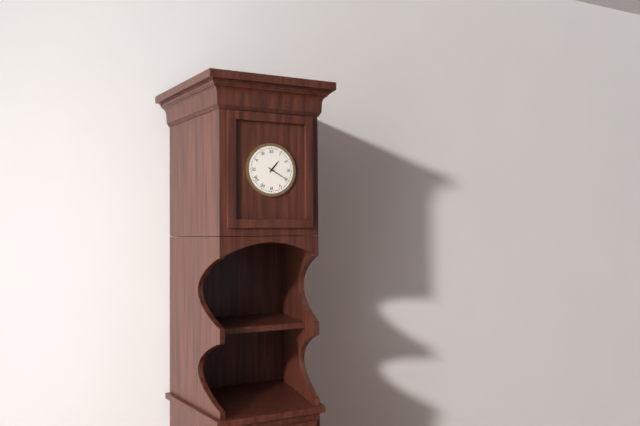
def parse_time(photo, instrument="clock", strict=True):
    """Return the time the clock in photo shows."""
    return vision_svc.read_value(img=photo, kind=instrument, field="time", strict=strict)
1:20
